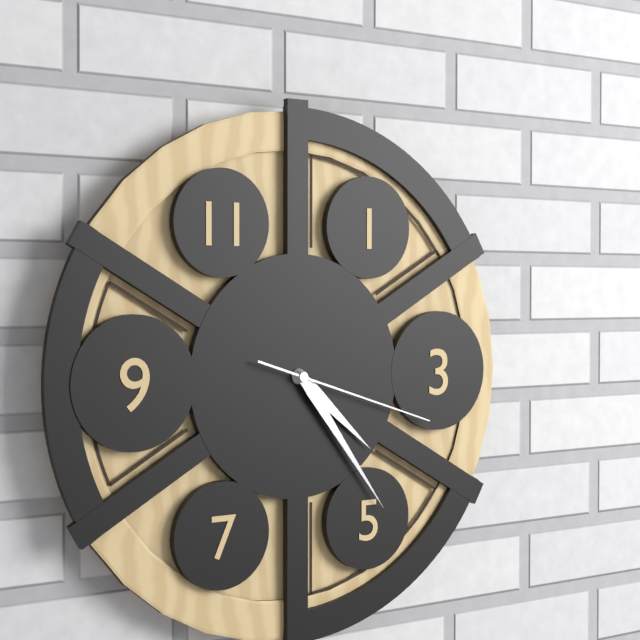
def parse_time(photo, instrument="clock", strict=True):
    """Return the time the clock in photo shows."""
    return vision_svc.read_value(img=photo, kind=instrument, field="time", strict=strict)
4:24:18
